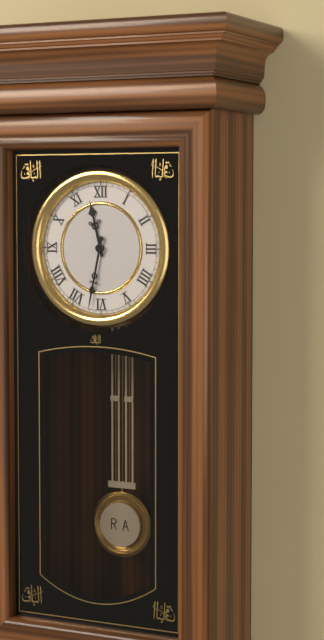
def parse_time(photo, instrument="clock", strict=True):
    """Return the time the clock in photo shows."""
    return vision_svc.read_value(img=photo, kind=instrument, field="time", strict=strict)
11:32
